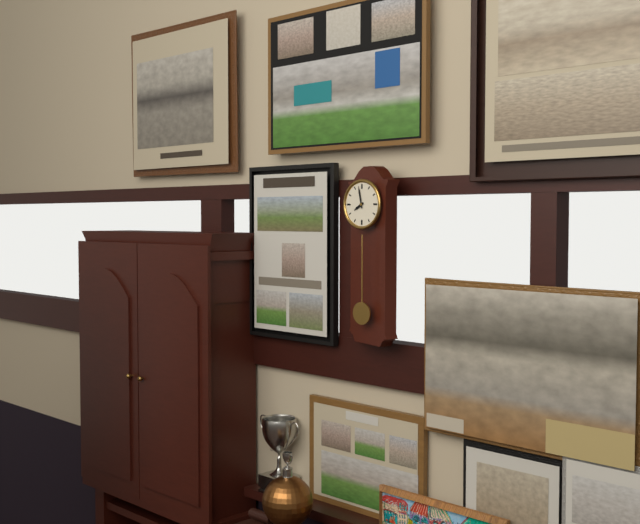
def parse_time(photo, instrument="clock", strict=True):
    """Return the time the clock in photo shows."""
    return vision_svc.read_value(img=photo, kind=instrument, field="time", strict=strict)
7:58
